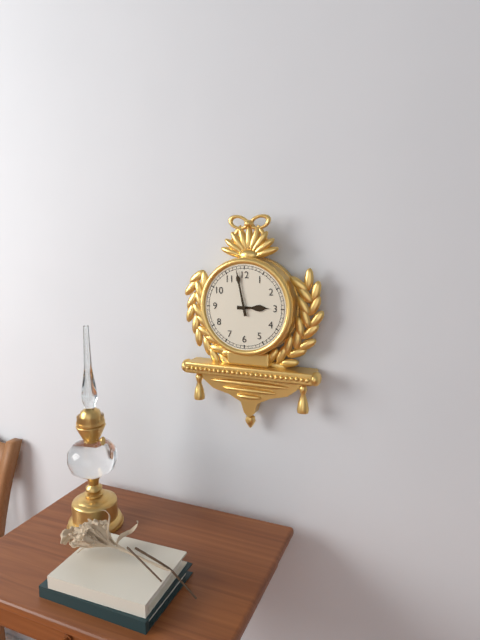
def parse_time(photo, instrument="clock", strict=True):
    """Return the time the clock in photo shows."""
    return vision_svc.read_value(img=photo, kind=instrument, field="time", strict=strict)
2:58
